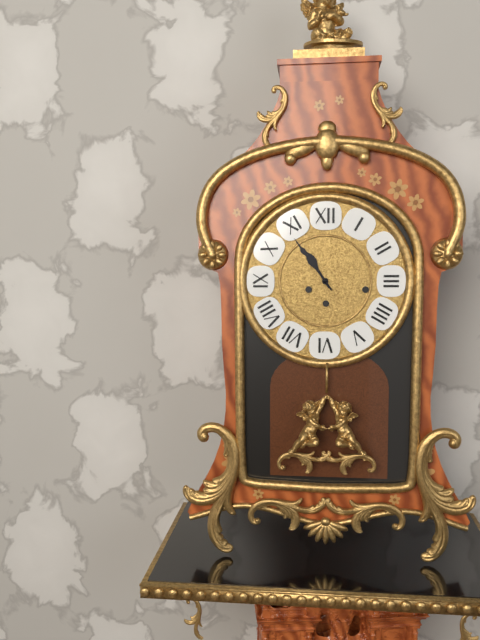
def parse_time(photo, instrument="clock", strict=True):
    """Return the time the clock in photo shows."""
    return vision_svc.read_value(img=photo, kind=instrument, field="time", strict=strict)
10:54
